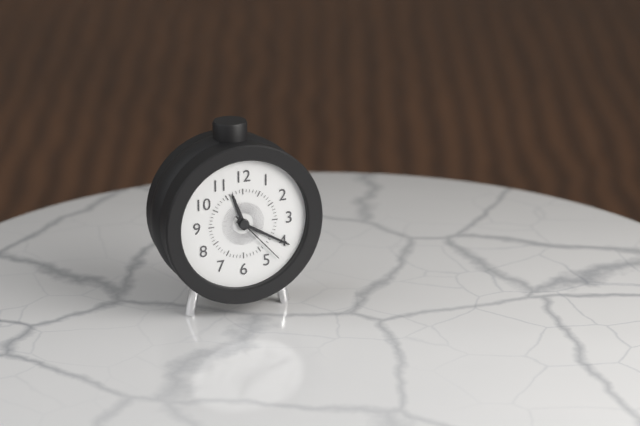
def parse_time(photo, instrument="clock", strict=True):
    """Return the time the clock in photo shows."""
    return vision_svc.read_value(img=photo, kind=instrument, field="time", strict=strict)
11:20:23
